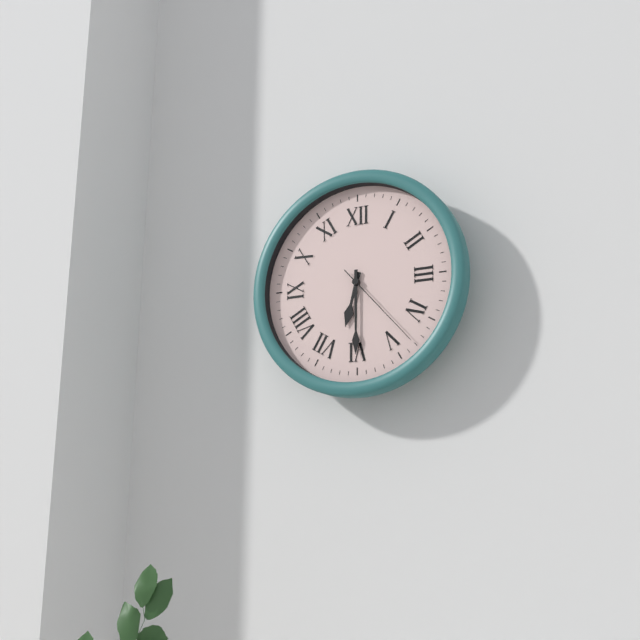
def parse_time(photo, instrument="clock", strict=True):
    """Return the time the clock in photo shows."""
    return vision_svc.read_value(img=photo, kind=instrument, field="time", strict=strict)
6:30:23
